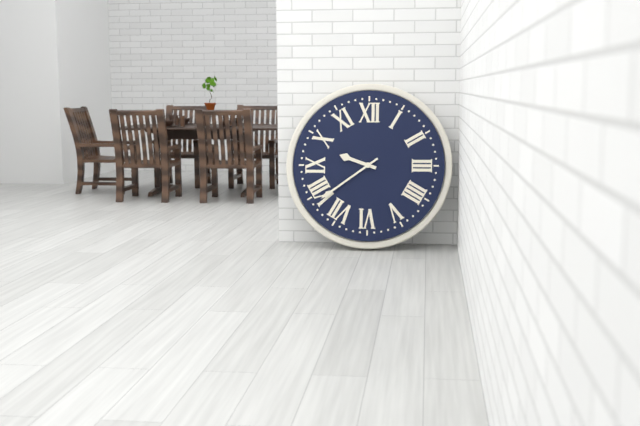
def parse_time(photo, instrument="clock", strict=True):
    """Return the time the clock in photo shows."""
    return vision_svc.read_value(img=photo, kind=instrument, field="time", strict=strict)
9:39
